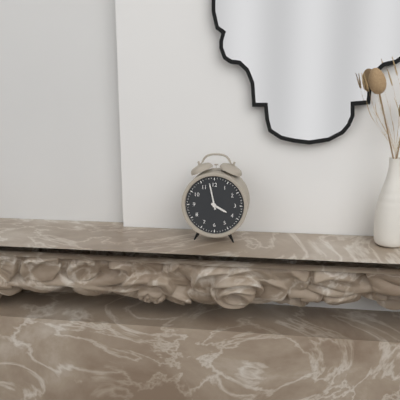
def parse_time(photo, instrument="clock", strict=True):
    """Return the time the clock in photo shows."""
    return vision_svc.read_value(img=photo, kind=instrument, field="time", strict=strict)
3:58
